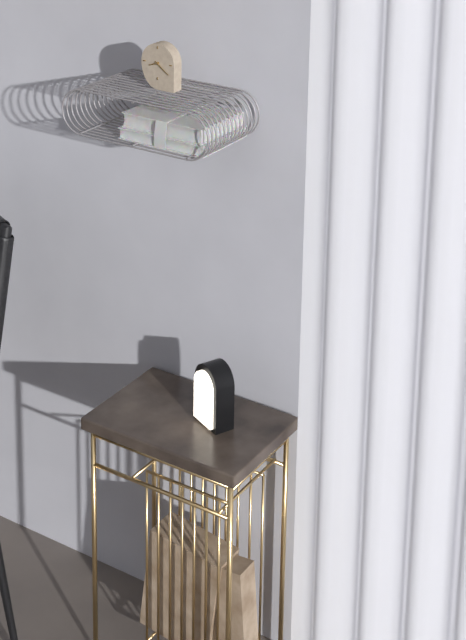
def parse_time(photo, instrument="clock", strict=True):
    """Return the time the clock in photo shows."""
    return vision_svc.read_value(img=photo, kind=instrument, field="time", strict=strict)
8:21
